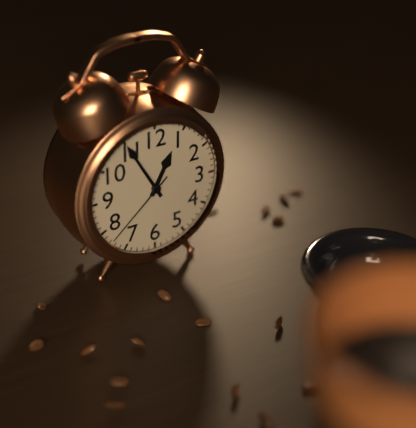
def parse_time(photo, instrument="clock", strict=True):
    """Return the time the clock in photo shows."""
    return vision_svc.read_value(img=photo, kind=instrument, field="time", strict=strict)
12:55:38
